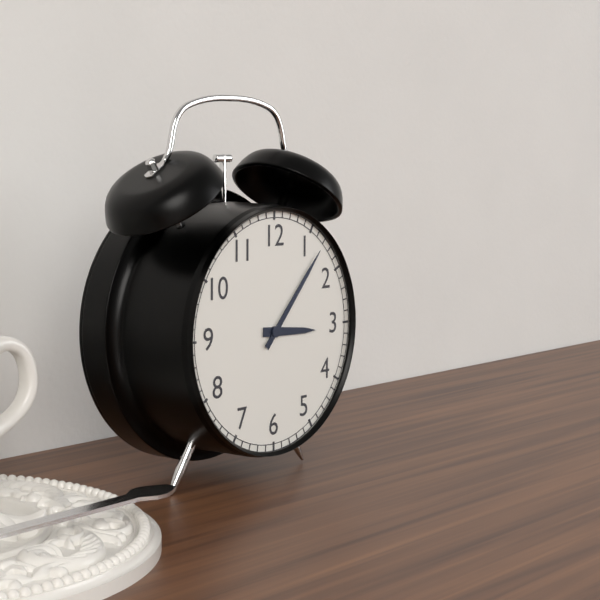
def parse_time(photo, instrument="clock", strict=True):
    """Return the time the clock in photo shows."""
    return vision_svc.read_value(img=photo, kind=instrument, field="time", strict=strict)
3:07
